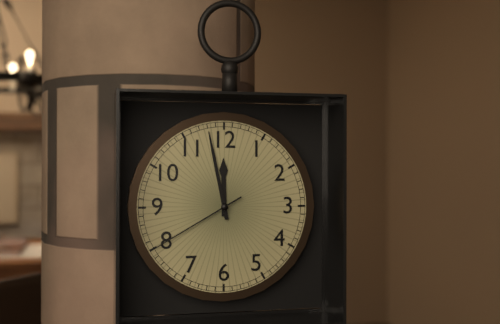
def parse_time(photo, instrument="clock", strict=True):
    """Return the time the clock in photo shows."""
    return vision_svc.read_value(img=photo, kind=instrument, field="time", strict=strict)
11:58:40
